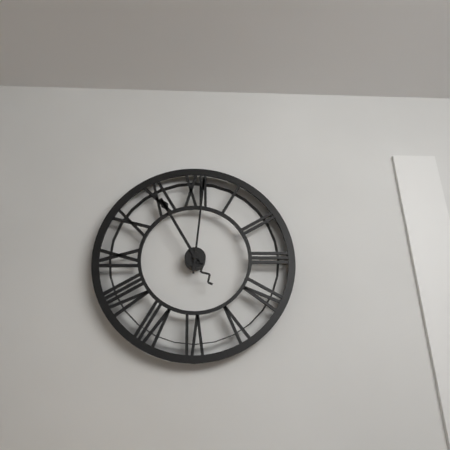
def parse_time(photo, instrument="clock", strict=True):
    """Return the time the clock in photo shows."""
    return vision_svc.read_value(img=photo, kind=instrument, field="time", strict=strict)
11:01
